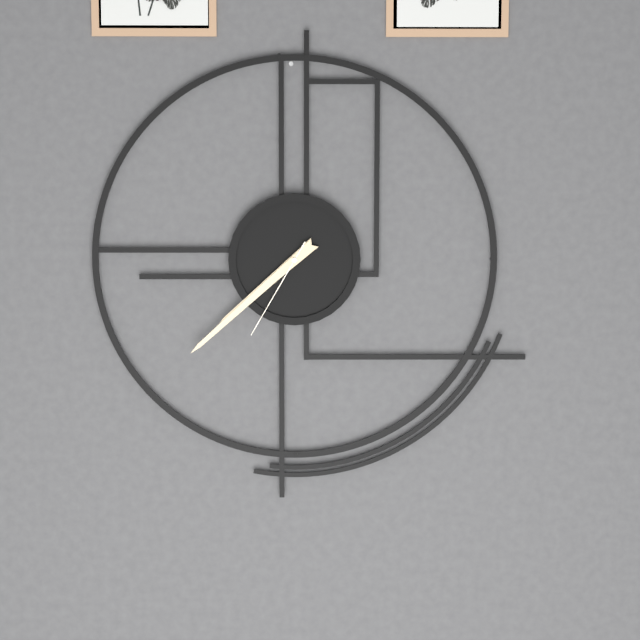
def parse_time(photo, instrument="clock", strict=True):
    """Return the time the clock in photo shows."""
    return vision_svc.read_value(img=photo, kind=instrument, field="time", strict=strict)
7:38:35
